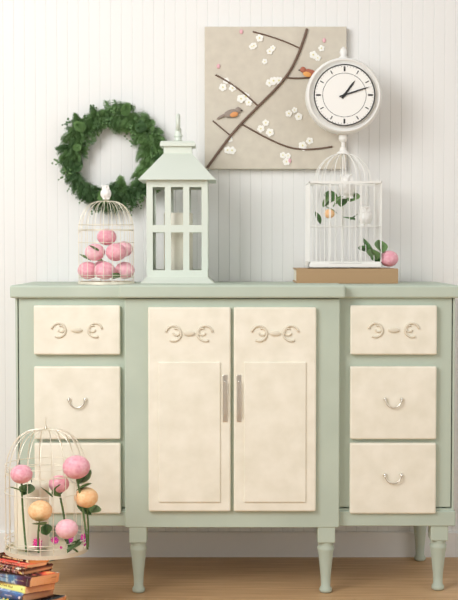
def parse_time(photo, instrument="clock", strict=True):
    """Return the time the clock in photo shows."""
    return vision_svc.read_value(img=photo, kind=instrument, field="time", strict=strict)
1:12
